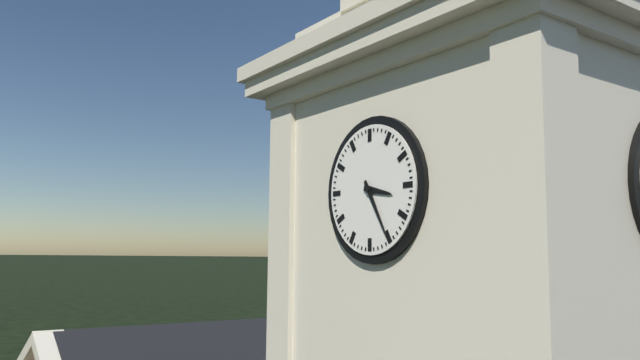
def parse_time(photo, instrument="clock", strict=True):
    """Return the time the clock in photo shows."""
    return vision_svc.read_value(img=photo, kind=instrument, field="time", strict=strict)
3:25
